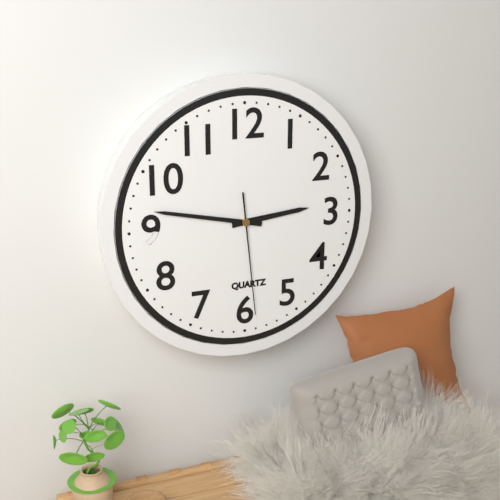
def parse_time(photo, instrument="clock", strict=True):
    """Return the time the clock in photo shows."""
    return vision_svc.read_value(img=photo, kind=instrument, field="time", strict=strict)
2:47:29
